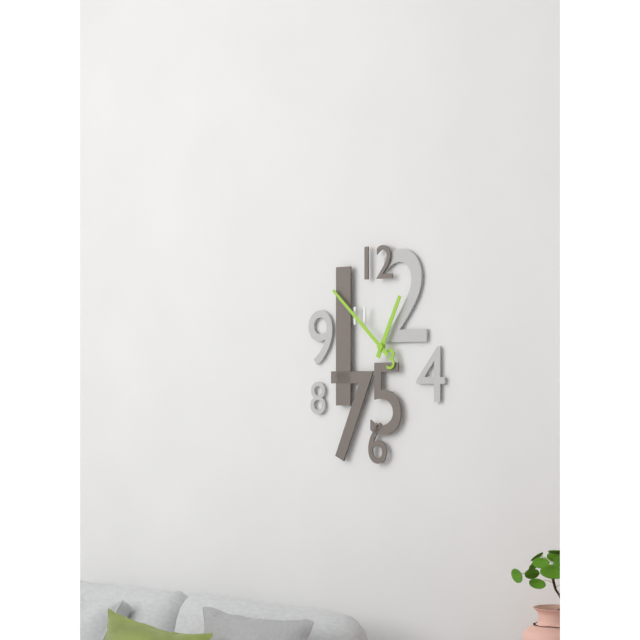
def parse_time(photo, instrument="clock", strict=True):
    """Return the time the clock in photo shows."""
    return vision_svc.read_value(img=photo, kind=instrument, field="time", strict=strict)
12:52
